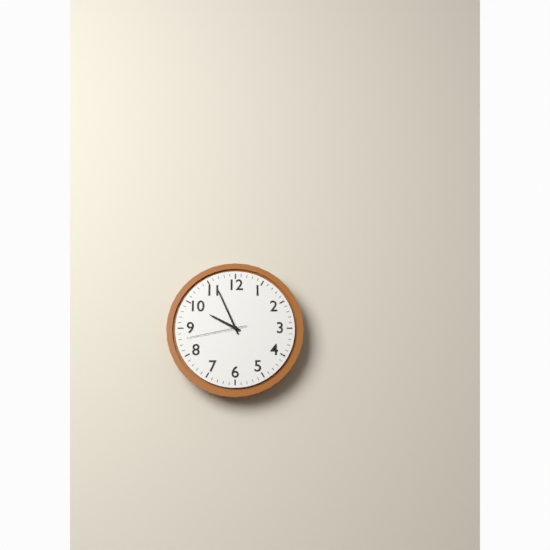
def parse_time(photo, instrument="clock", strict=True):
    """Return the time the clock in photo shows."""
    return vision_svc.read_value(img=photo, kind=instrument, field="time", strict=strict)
9:56:43
